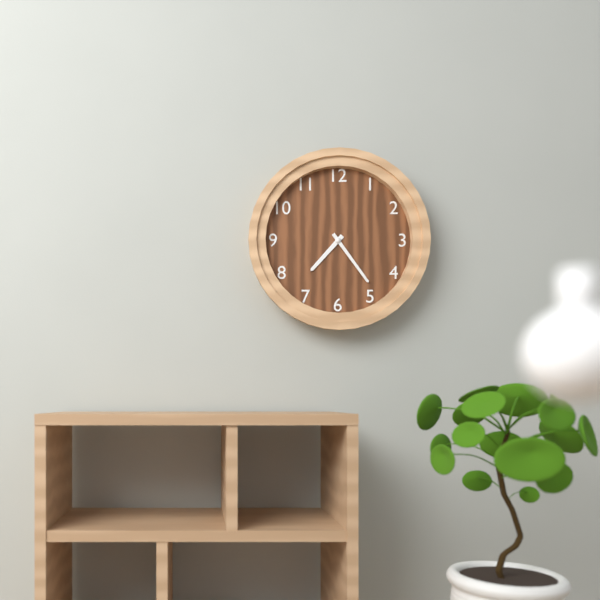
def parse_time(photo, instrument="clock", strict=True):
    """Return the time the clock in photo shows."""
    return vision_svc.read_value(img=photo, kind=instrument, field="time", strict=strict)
7:24
